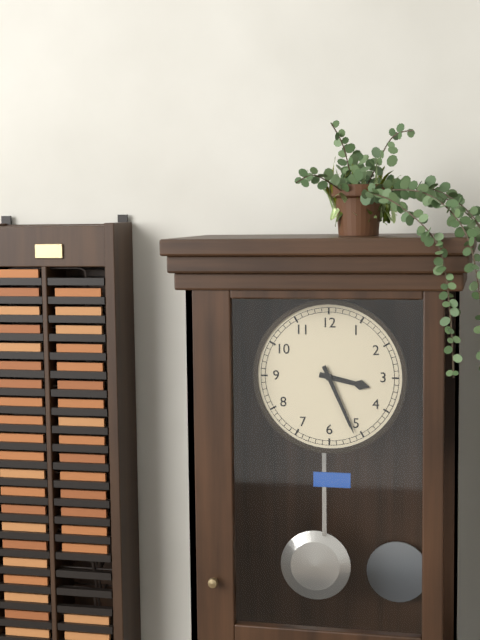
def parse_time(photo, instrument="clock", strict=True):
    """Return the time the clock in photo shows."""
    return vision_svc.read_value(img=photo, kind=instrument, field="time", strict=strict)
3:26
